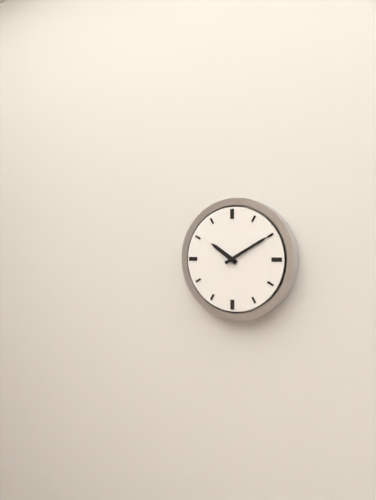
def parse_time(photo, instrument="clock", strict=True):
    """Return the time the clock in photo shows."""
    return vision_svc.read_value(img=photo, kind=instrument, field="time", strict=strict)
10:10
